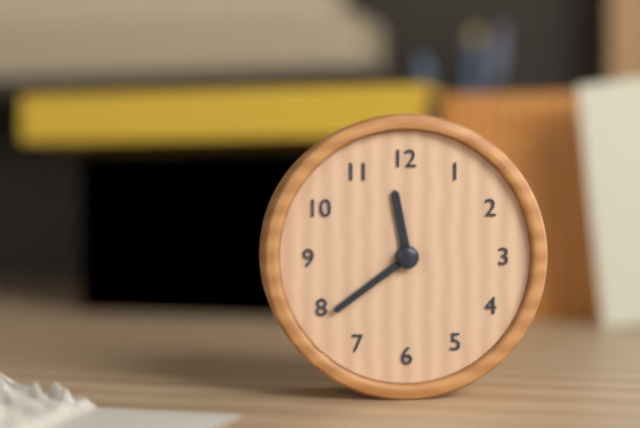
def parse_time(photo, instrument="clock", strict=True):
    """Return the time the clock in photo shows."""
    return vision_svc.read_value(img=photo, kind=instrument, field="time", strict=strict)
11:39
